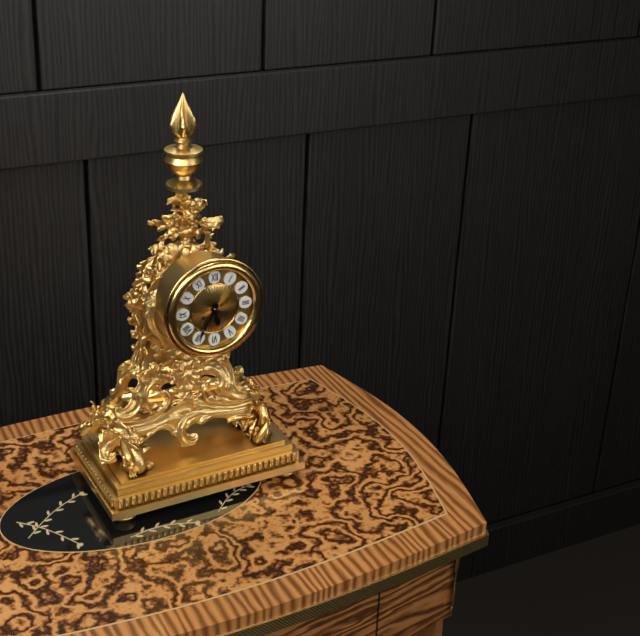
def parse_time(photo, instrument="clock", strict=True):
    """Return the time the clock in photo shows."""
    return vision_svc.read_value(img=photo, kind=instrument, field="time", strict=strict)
5:35
